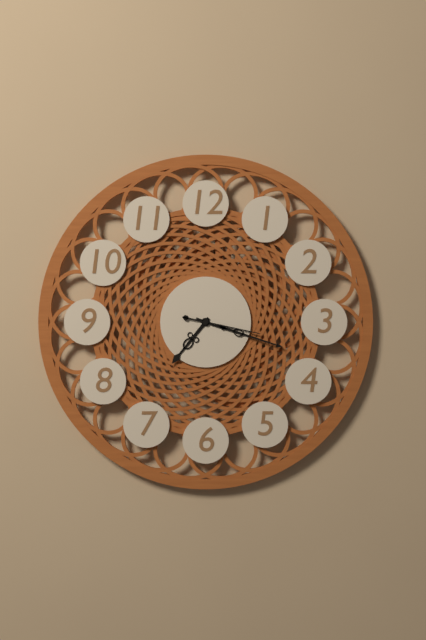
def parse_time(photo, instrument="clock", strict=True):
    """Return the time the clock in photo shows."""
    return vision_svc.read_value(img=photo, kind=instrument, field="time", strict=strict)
7:18:17
